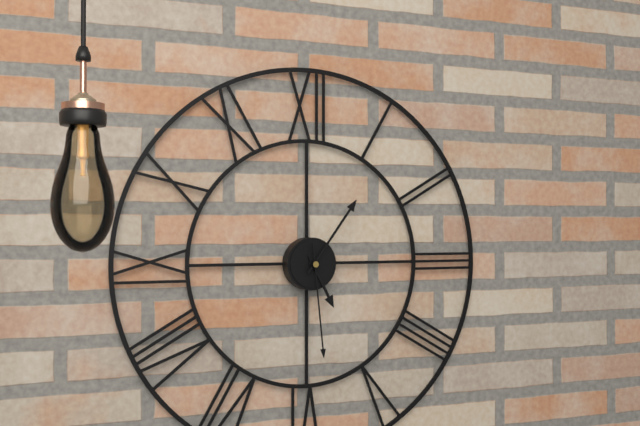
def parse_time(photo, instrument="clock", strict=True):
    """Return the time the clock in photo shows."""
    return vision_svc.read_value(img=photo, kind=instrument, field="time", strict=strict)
5:06:29
